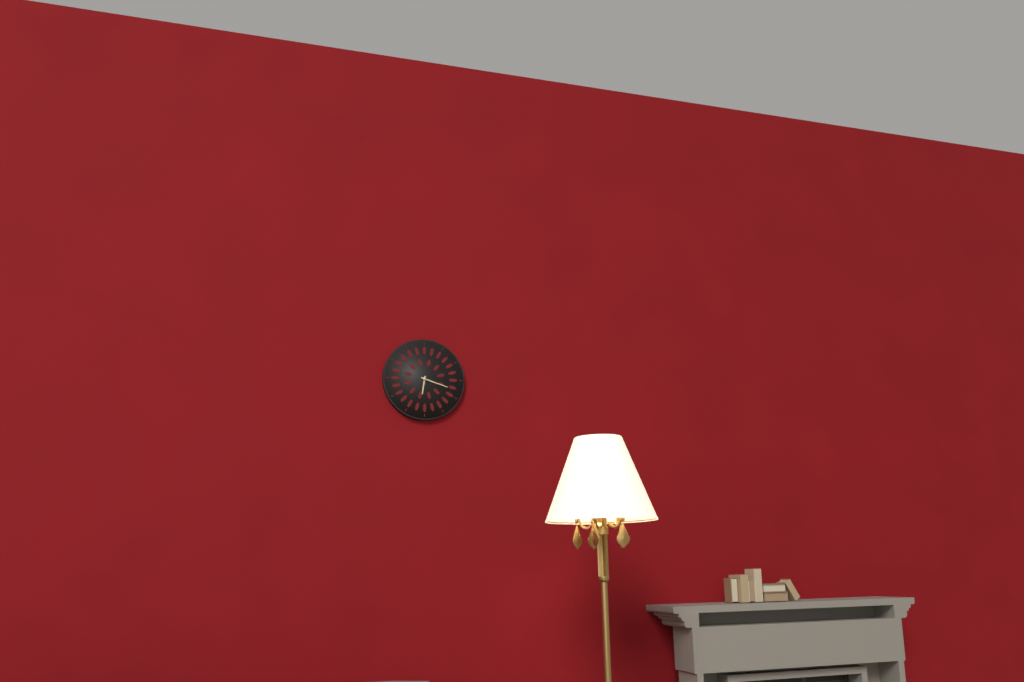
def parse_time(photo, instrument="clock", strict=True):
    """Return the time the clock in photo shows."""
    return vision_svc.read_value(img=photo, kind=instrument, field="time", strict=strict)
6:18
